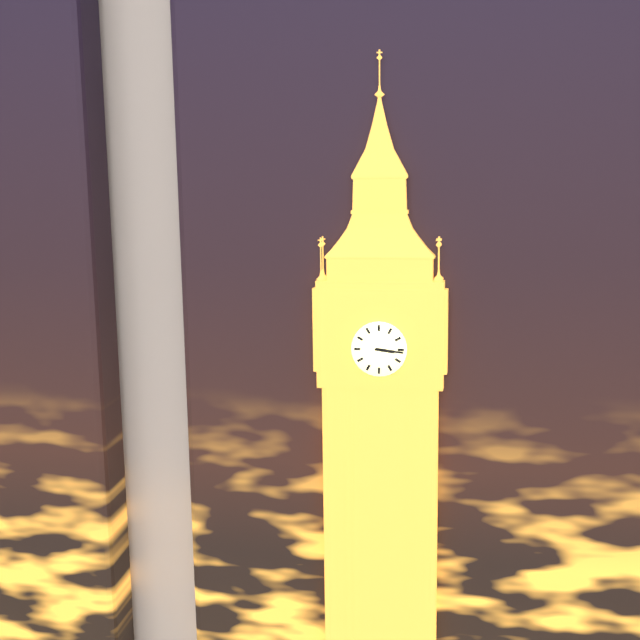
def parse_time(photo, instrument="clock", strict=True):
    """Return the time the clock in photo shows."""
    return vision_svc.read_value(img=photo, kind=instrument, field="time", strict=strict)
3:16
